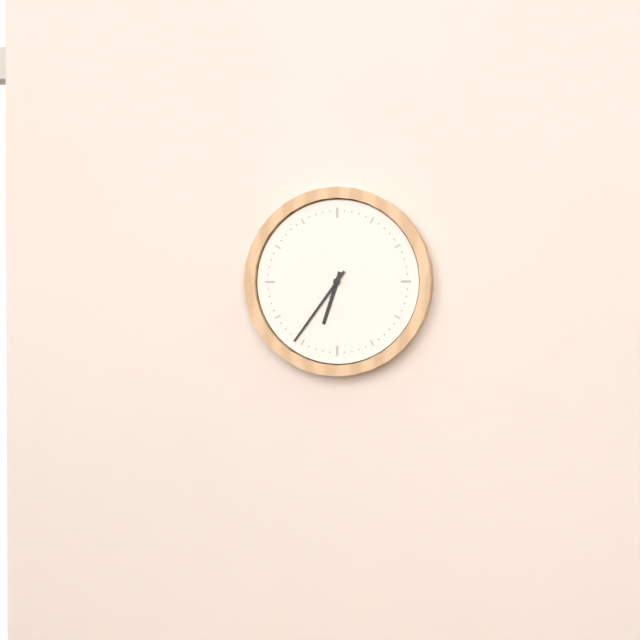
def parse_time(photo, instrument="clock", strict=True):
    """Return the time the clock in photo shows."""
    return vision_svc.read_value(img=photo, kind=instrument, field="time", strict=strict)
6:36
